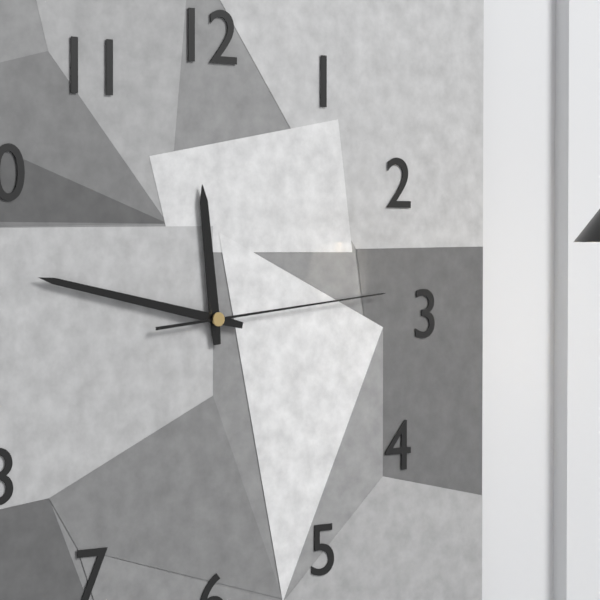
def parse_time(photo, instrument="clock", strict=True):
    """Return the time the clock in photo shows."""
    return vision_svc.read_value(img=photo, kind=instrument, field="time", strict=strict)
11:47:14
